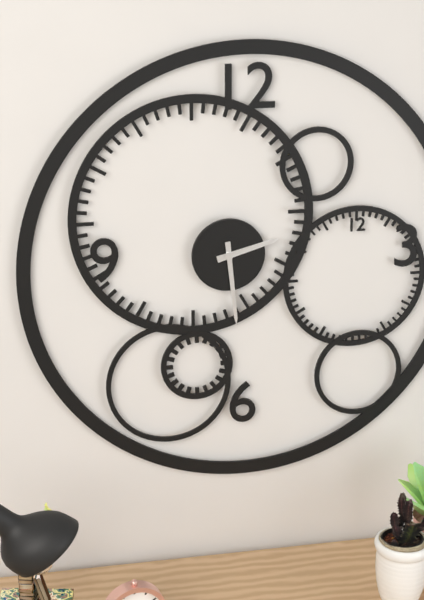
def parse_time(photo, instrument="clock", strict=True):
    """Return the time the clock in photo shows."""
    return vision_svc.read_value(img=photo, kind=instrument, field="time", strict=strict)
2:29
